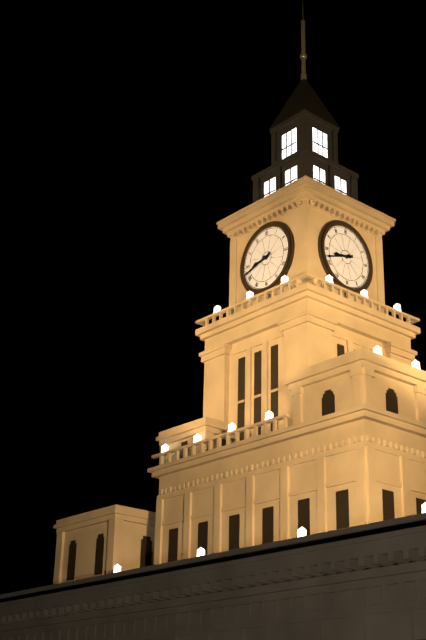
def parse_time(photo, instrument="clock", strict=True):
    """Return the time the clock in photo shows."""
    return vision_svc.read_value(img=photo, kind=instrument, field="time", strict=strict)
8:42
